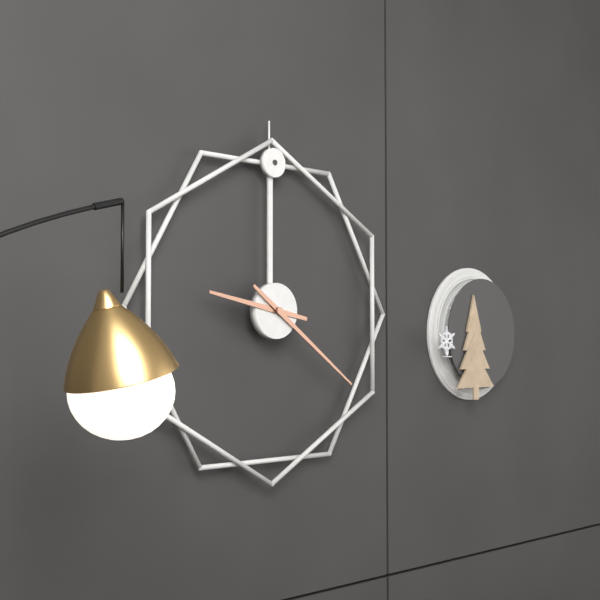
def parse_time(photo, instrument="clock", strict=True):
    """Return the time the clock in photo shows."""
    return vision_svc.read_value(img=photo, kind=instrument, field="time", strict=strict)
9:21
